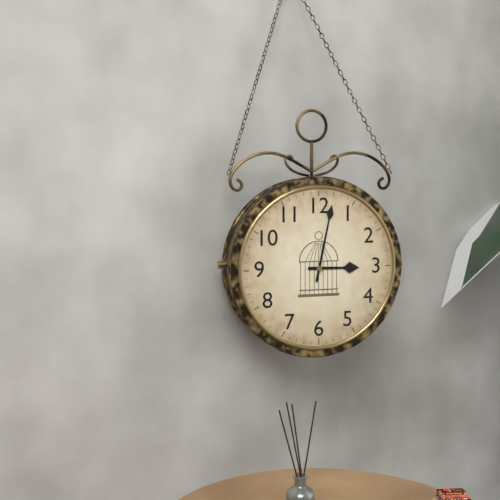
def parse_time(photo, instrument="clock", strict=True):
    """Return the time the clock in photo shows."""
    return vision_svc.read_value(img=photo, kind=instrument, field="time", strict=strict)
3:02
